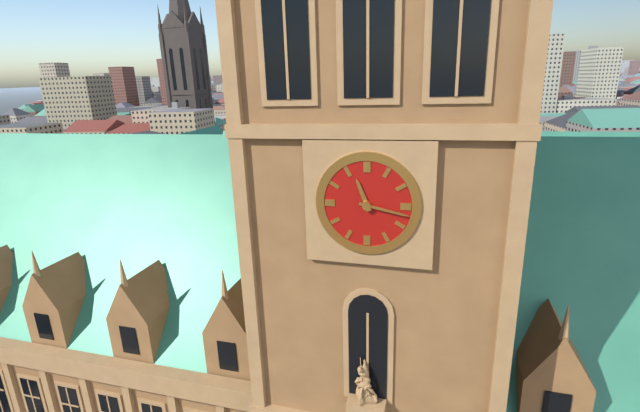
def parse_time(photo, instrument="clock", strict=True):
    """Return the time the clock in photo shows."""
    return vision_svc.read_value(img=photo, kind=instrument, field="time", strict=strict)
11:17
